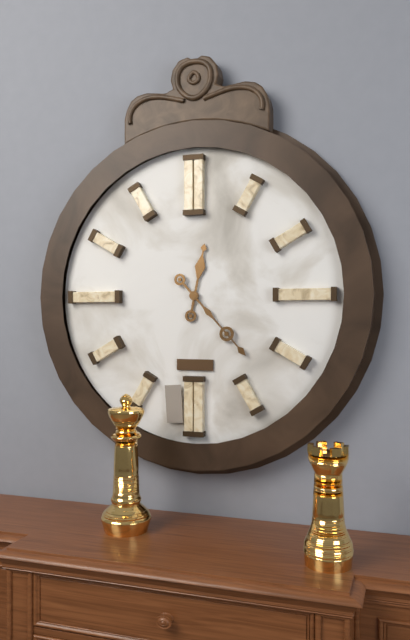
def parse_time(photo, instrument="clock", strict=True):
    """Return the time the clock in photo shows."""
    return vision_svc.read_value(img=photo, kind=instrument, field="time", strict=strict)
12:23
